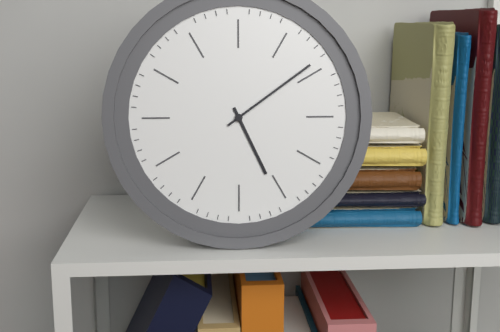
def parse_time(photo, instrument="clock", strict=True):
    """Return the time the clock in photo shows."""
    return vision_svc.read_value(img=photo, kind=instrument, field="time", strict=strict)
5:09
